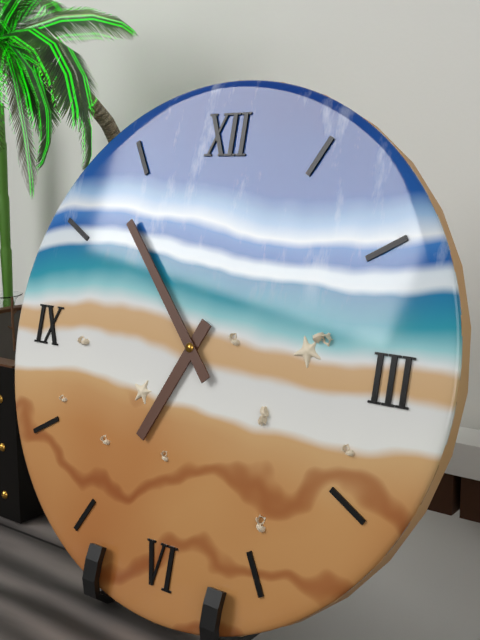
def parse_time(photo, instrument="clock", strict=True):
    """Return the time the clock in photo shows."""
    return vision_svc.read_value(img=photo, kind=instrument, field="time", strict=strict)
6:53
